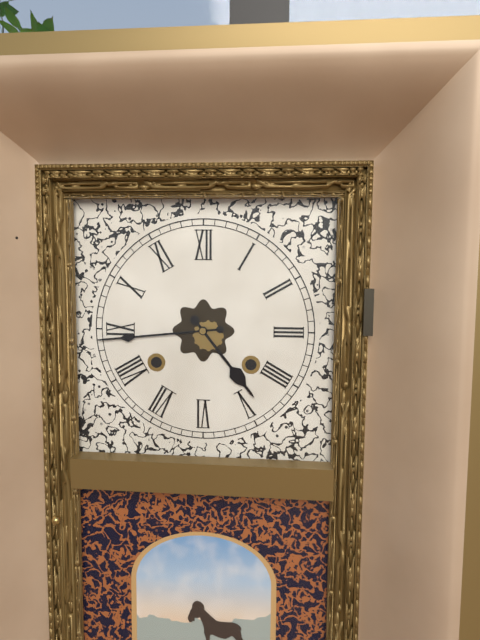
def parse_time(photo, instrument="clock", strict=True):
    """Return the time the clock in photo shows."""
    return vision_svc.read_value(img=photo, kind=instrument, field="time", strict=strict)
4:44
